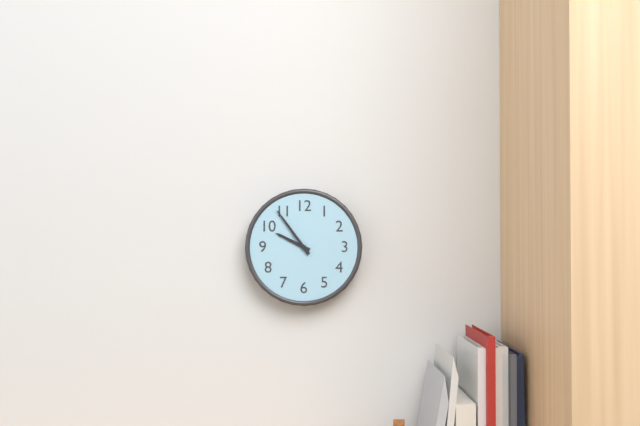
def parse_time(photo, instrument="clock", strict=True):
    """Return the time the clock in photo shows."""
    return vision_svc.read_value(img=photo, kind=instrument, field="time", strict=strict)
9:54
